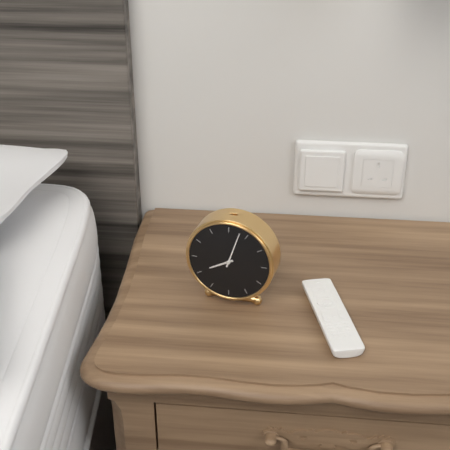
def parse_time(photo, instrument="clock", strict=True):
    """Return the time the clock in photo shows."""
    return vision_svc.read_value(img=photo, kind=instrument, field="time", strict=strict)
8:03
